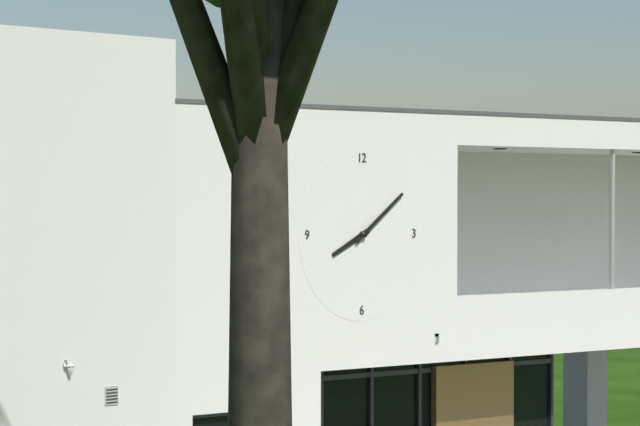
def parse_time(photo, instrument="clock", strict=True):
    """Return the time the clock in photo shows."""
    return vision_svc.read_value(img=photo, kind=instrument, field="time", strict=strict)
8:09
